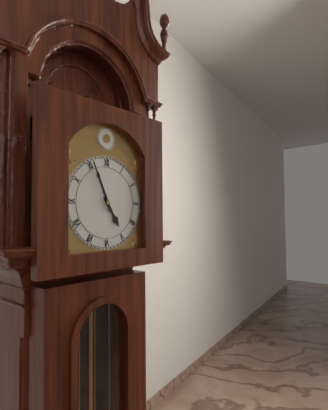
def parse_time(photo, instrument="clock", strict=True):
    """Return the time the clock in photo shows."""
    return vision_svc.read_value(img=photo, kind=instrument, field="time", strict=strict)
4:56
